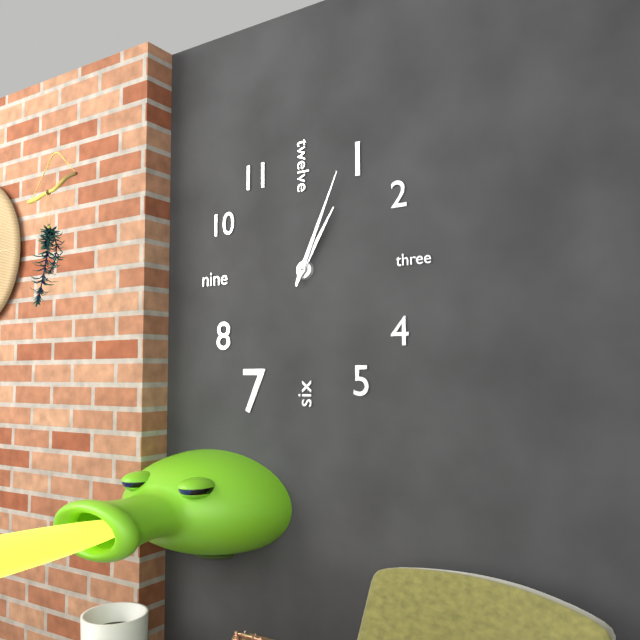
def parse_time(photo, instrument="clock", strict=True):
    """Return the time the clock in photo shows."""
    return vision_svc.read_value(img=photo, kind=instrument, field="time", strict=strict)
1:04
